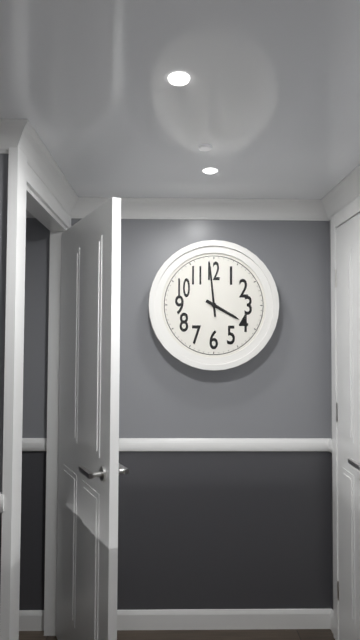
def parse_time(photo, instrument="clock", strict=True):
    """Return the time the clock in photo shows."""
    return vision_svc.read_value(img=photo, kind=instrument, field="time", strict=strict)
3:59
